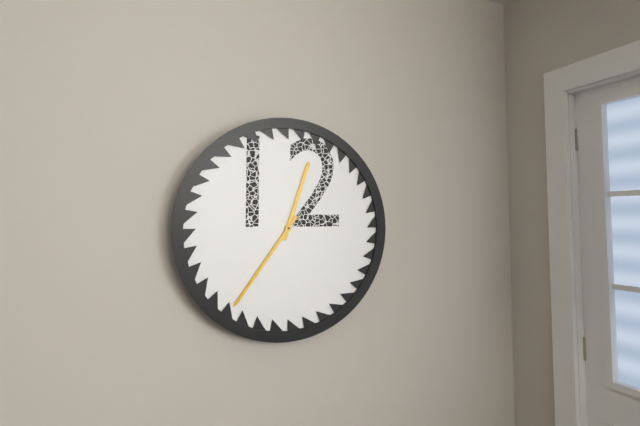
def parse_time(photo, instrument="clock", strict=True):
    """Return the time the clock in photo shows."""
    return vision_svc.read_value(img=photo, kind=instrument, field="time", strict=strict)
12:36
